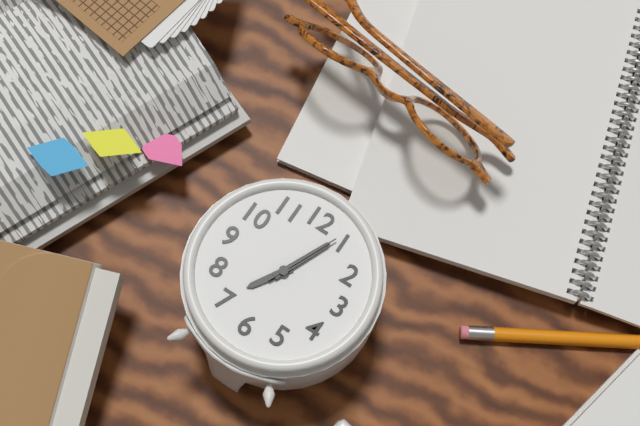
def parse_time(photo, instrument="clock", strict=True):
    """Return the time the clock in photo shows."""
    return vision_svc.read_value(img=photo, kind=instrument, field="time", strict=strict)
7:04:04
